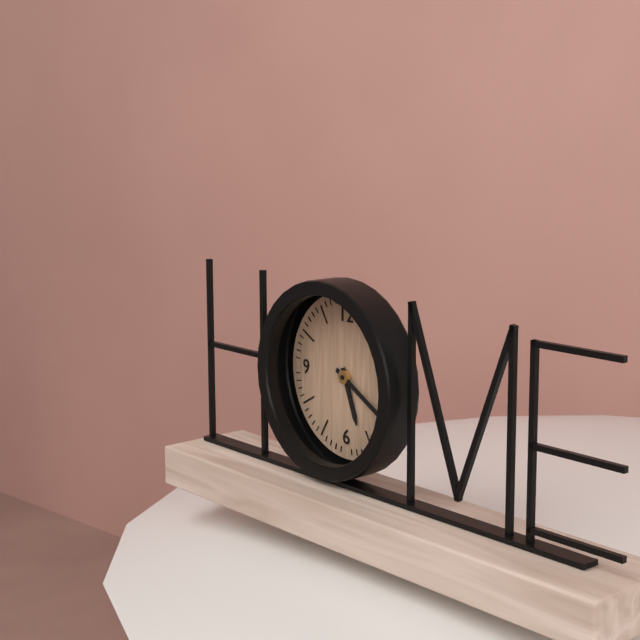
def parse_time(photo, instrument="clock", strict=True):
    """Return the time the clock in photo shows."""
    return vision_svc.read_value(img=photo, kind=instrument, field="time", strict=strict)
5:20
